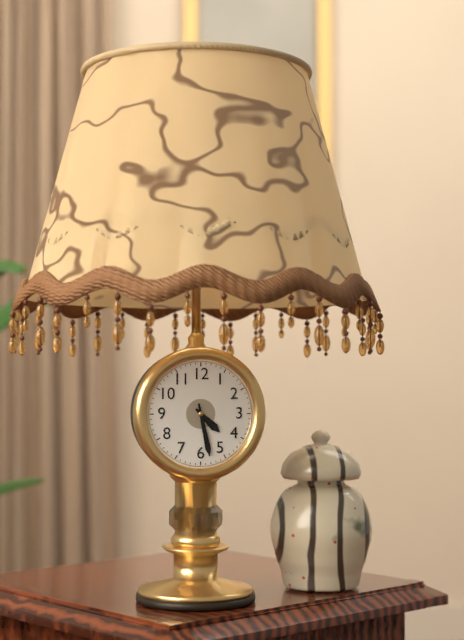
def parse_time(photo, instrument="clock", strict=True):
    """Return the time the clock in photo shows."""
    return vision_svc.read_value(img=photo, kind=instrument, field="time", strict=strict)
4:28
